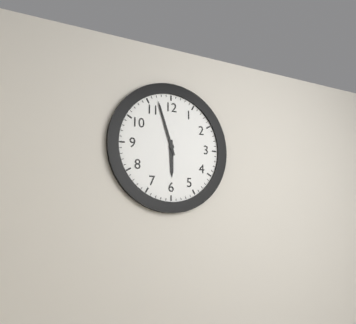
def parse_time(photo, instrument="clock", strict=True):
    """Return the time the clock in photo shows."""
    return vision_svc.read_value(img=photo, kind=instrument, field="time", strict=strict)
5:57
